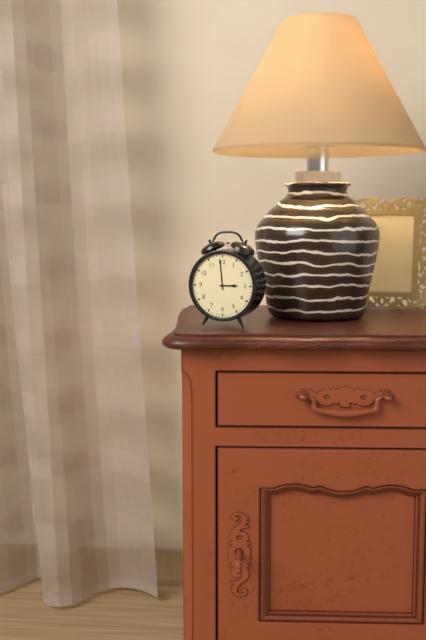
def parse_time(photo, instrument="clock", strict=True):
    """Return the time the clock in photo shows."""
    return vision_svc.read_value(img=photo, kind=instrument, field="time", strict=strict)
2:59
